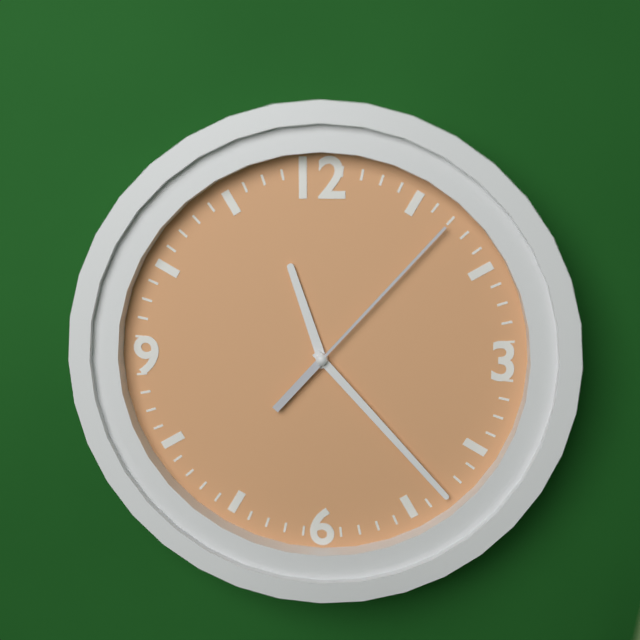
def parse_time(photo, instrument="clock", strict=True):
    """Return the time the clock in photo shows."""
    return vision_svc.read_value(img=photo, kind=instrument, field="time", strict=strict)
11:23:07
